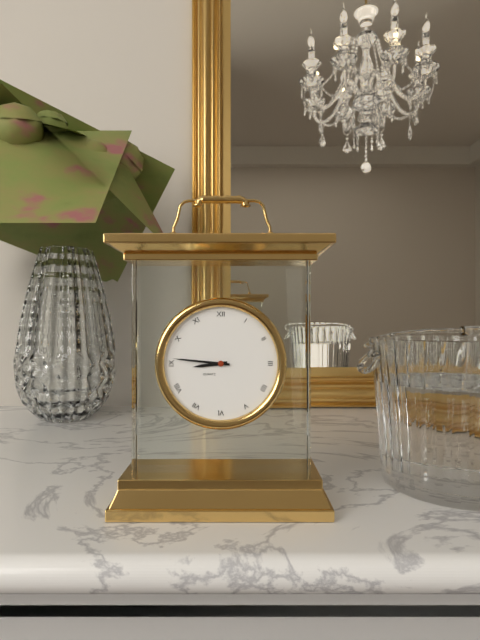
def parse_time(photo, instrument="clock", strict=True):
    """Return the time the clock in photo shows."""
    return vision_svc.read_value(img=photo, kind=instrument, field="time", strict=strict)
8:46
